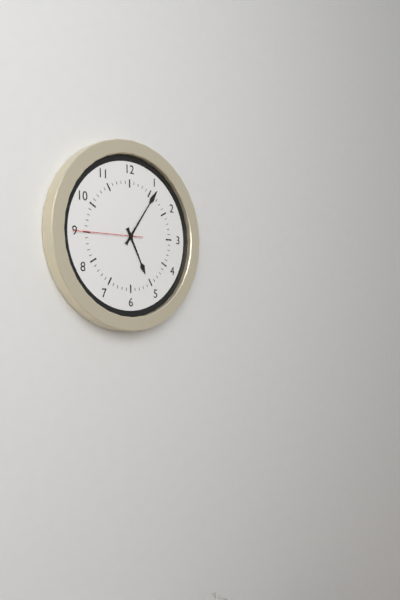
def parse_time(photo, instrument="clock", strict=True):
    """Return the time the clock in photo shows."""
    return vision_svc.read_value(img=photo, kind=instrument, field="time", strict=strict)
5:06:45
